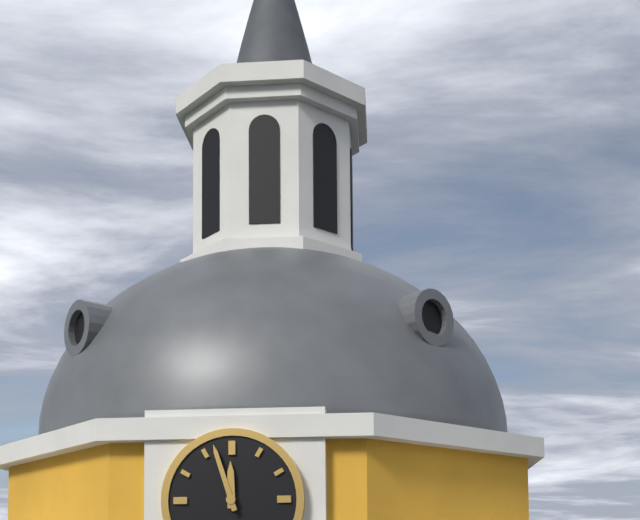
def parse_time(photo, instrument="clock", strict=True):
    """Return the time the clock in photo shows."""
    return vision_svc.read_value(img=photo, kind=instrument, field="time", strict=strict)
11:57
